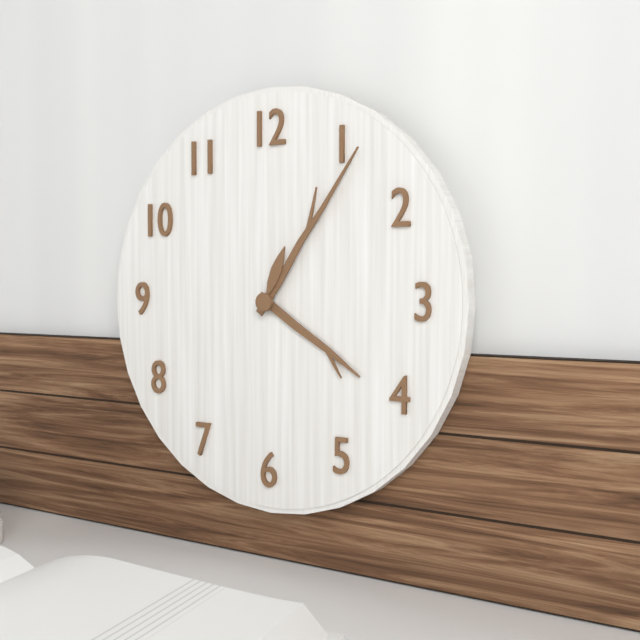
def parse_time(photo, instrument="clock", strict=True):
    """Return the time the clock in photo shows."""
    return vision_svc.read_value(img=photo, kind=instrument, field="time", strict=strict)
4:06:04
